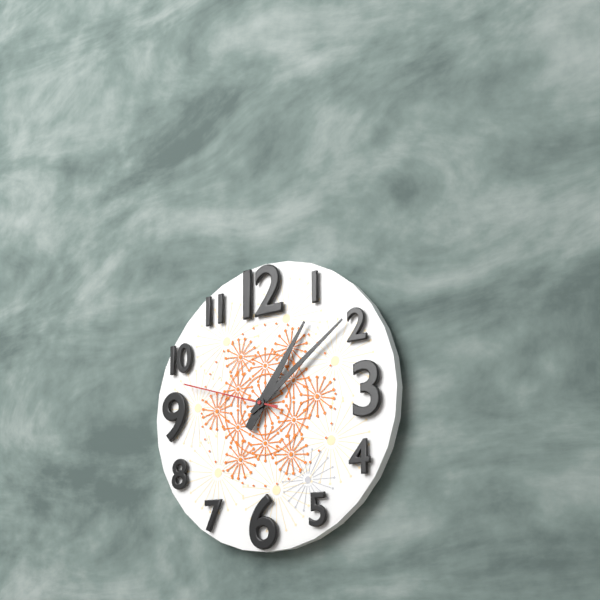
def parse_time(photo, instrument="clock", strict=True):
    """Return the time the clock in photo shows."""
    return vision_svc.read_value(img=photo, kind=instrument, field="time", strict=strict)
1:09:48
